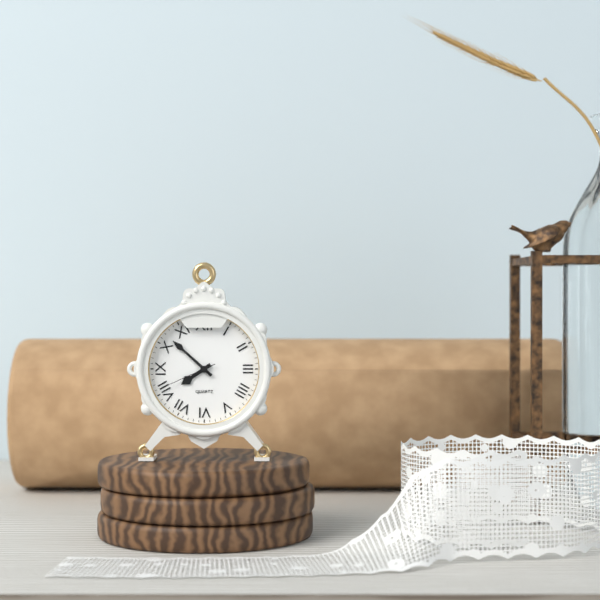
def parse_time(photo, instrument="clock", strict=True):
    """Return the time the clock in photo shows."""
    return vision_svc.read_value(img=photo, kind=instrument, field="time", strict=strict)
7:52:41
